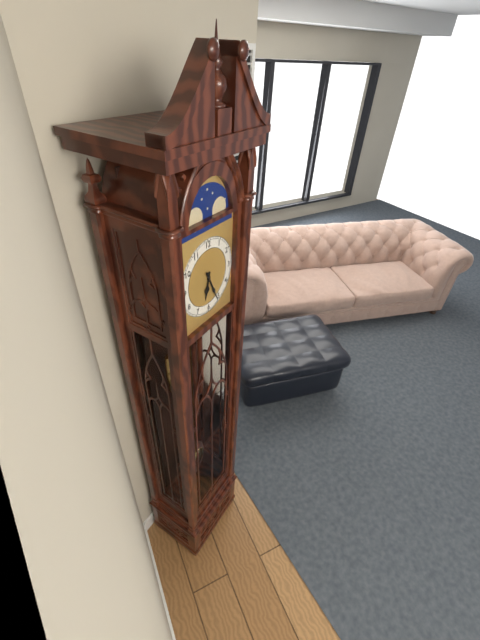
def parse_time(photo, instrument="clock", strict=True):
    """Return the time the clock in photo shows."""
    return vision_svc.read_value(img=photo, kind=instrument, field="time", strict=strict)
6:26
